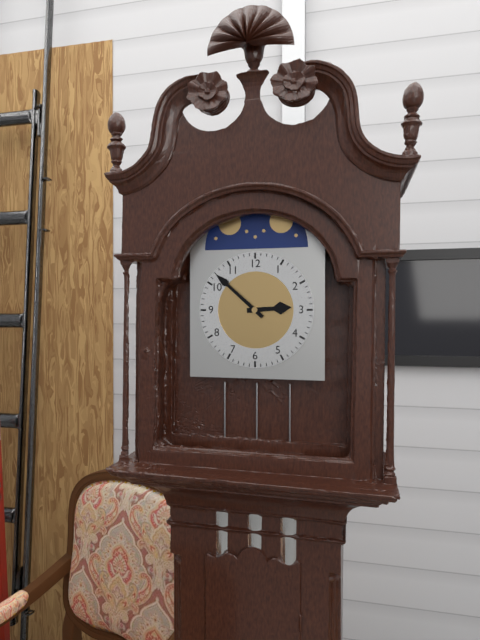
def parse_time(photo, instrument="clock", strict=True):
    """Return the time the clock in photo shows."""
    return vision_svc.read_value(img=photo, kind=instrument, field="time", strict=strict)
2:52
